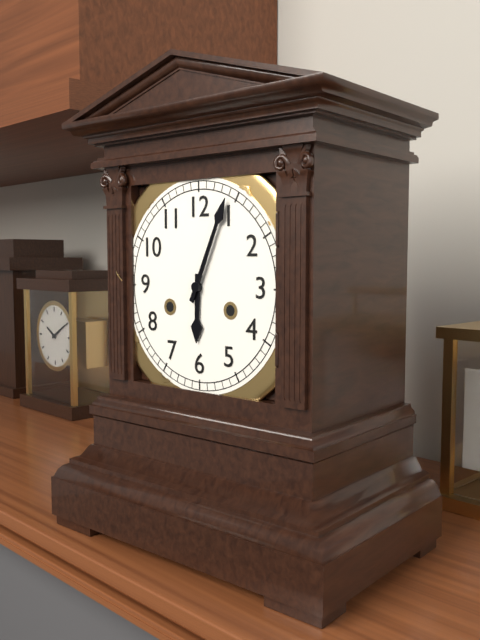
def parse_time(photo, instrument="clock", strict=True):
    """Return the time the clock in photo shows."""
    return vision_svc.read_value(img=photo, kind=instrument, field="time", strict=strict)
6:04
